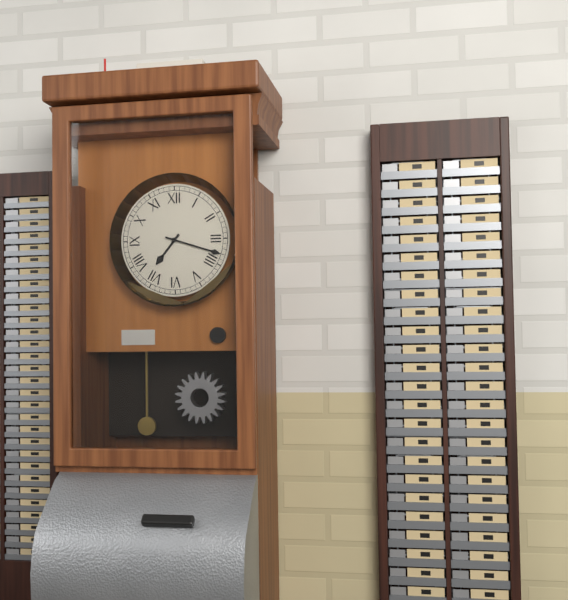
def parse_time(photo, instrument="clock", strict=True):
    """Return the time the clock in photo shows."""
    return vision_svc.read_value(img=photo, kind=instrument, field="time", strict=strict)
7:18
